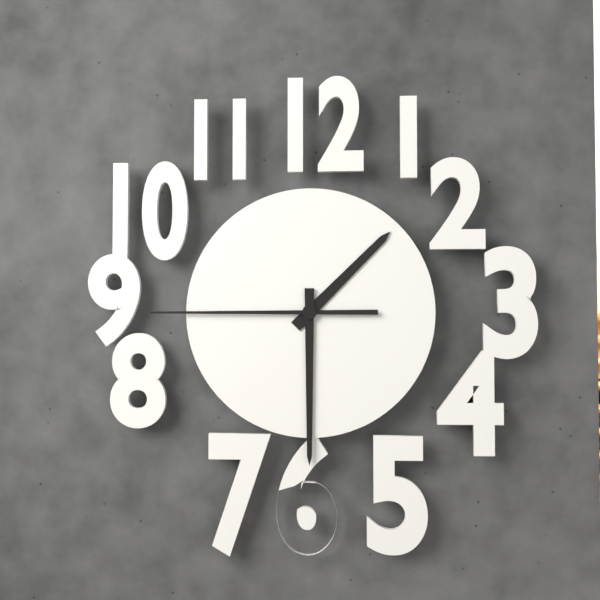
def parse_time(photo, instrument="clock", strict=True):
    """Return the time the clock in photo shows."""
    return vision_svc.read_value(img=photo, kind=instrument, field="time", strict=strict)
1:30:45
